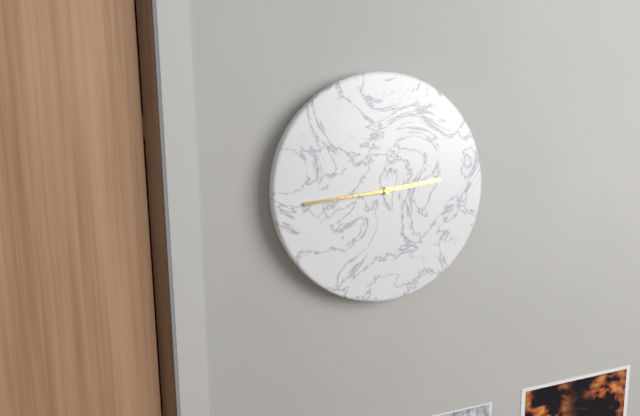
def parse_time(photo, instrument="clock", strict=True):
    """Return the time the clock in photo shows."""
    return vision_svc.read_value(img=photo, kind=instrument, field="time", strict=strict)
2:44
